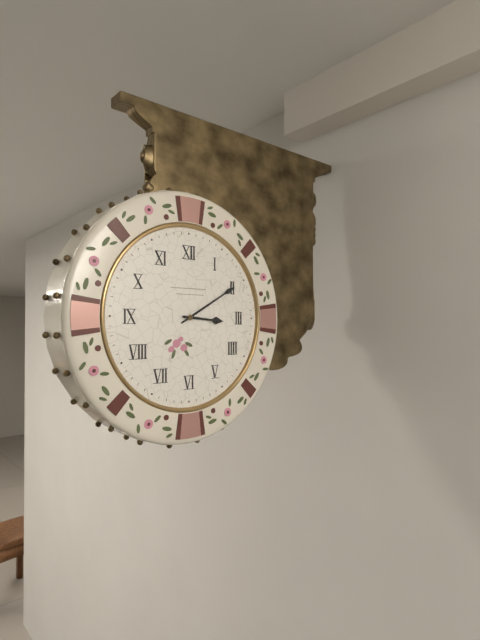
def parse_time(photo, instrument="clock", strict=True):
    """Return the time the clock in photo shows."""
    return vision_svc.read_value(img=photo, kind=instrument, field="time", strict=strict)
3:10
